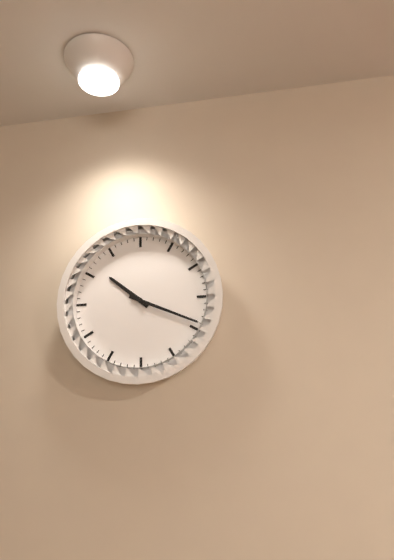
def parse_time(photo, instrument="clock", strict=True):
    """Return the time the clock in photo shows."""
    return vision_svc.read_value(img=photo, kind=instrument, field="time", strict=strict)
10:19
